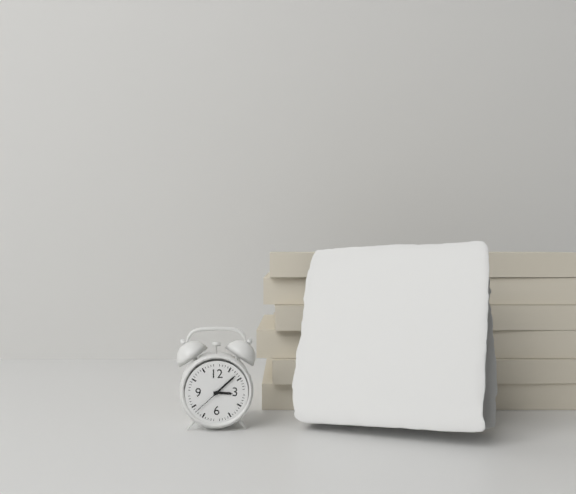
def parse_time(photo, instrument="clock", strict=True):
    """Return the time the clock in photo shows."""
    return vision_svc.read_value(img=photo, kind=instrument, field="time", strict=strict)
3:08
